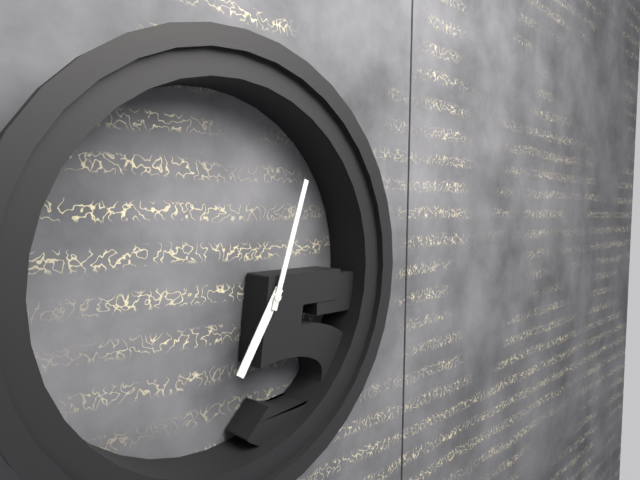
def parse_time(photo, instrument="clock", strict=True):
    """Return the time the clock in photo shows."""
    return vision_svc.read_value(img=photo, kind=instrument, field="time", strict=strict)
7:03
